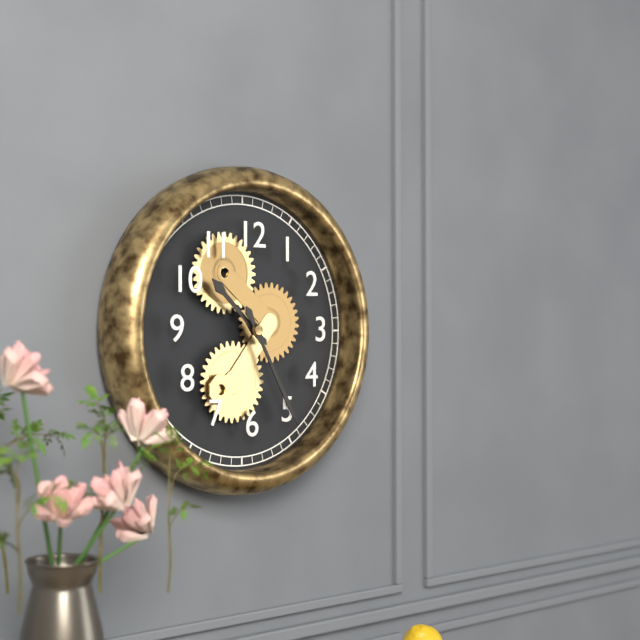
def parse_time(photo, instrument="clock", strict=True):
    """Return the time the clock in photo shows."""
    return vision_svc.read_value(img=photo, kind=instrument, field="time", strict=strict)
10:25
